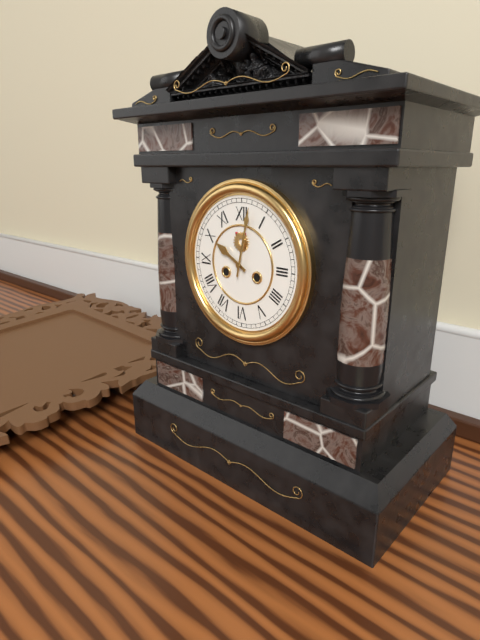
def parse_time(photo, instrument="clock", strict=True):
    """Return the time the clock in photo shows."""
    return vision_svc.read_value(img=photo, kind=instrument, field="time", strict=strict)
10:02
